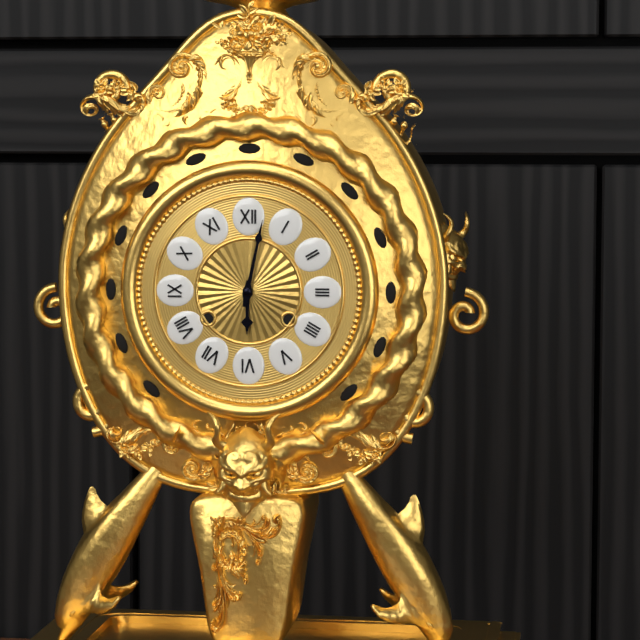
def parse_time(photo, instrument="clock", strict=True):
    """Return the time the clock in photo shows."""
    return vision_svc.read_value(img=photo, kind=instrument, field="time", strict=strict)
6:02
